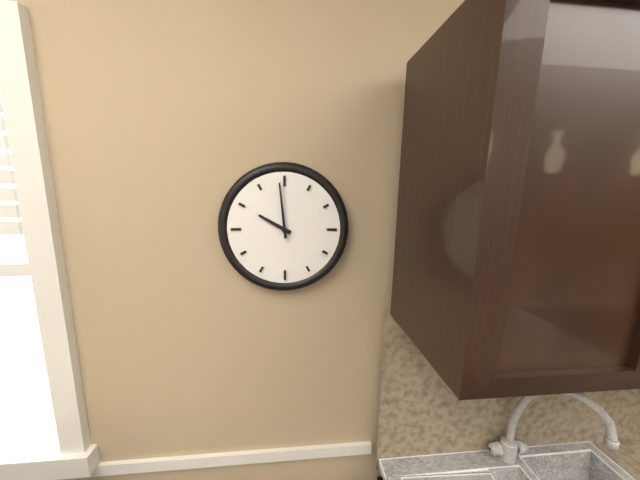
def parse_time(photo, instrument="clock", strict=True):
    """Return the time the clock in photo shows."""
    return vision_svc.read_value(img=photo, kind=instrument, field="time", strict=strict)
9:59
